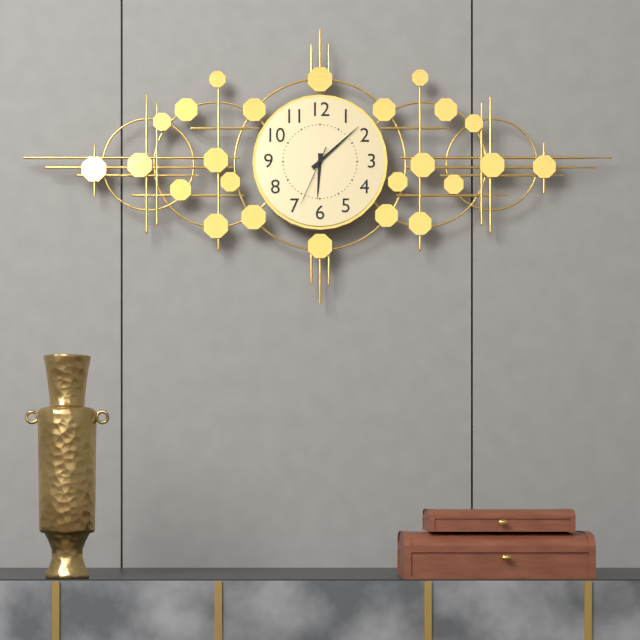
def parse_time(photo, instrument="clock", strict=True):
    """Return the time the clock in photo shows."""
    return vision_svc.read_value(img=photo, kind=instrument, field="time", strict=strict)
6:08:34
